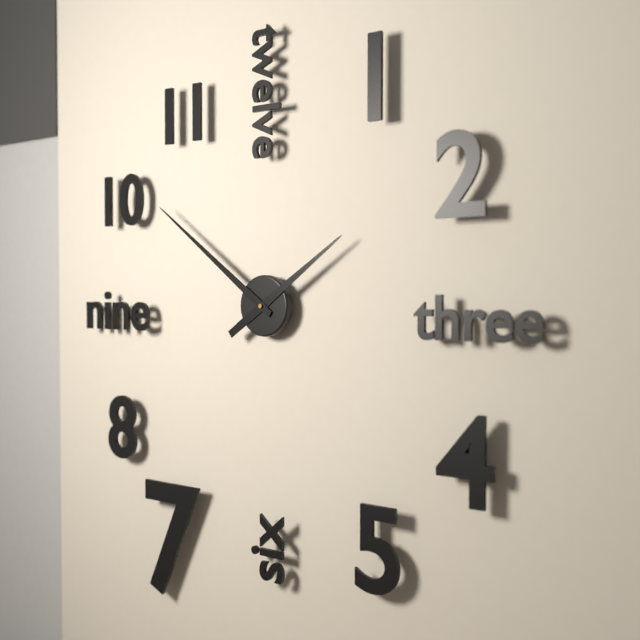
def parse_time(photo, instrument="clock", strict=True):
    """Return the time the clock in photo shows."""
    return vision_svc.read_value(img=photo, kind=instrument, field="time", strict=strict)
1:51
